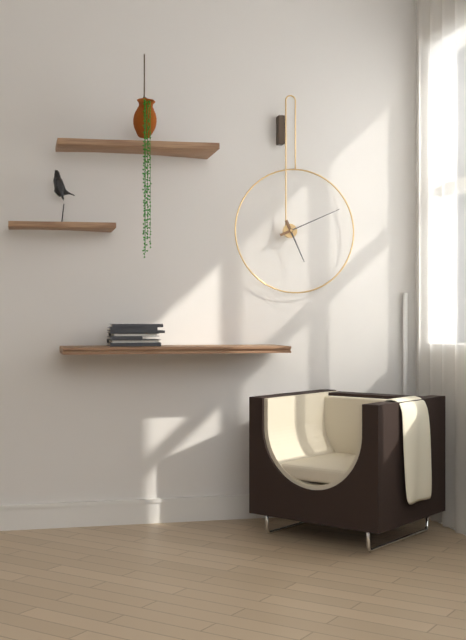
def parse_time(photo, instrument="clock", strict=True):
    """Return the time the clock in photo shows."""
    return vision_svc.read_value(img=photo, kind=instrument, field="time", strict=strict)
5:11
